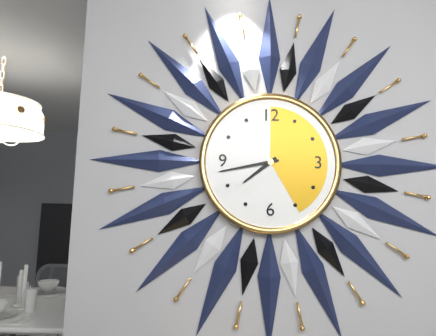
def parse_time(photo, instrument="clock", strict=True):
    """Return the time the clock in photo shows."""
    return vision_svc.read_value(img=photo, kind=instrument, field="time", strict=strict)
7:43
